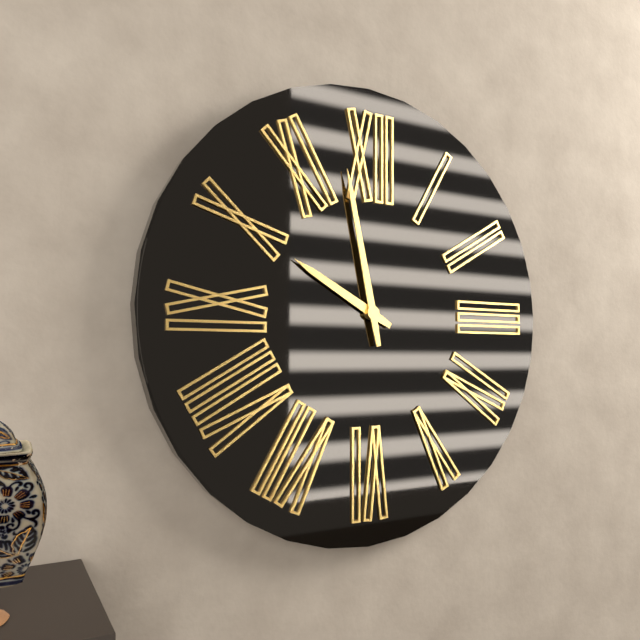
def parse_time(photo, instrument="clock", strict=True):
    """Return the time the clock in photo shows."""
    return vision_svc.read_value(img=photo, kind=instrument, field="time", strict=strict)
9:58
